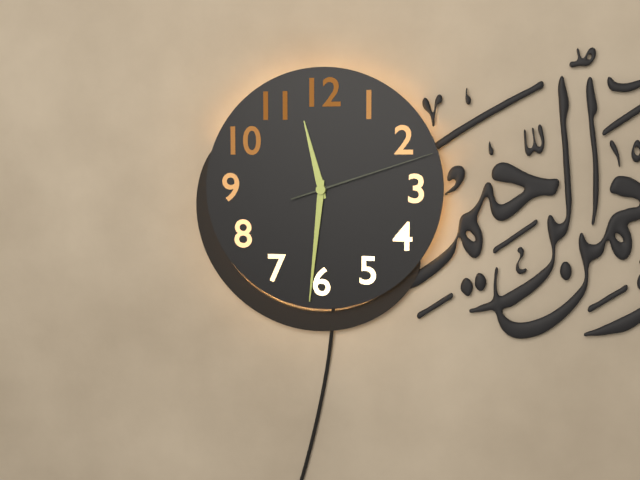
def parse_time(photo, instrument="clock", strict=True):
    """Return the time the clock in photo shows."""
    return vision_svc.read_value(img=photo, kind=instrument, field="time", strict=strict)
11:31:12
